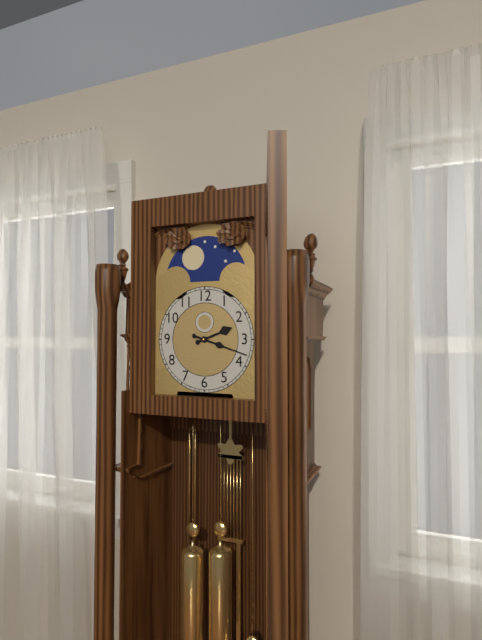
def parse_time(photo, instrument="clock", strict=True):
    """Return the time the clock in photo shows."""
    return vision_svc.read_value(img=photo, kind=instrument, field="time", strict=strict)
2:18
